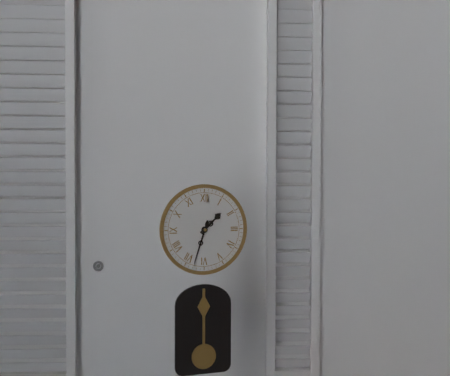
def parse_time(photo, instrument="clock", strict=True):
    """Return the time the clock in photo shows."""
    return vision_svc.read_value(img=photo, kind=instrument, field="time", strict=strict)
1:33
